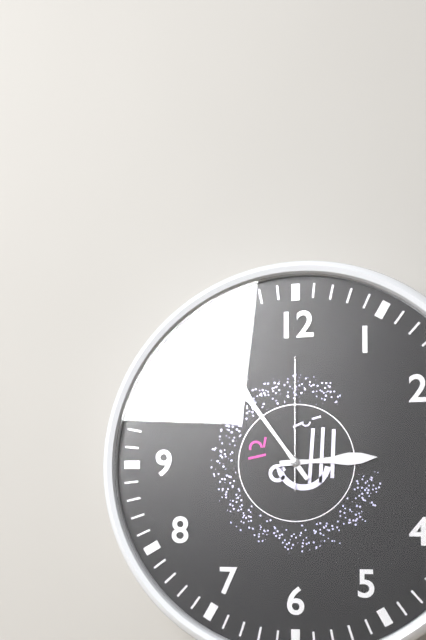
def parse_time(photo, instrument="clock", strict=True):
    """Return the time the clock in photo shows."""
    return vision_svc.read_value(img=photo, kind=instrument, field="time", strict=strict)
2:54:00
